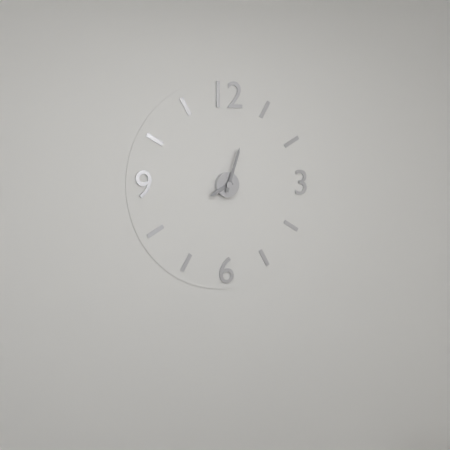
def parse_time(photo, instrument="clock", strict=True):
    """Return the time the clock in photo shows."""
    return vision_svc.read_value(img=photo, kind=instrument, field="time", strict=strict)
8:03
